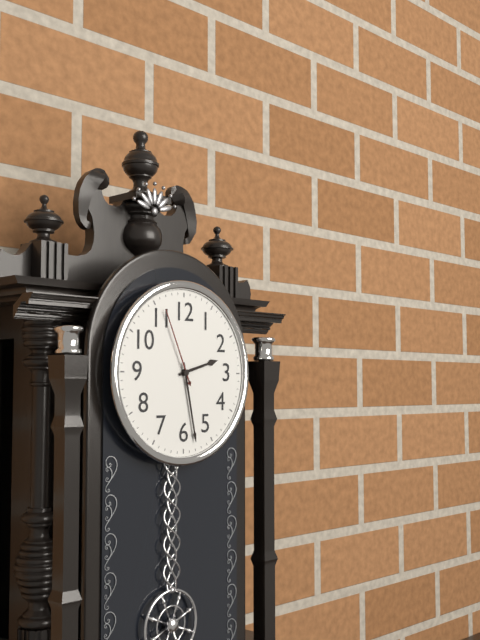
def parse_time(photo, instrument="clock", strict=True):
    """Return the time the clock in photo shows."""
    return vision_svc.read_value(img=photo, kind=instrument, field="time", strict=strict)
2:28:56
